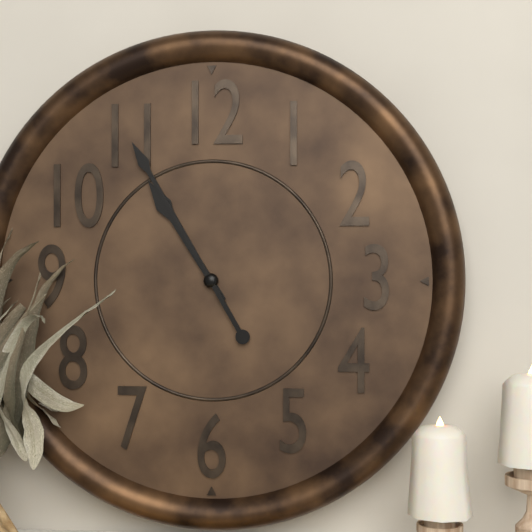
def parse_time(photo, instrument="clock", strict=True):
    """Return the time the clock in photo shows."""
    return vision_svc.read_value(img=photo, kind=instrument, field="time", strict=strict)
10:55
